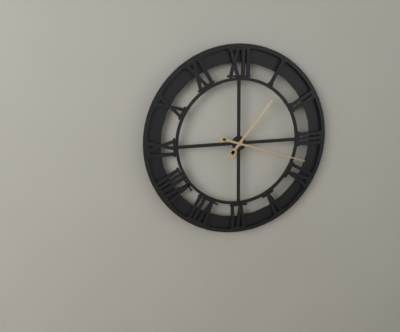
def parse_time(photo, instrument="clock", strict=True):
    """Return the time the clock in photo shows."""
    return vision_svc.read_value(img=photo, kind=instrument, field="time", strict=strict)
1:18
